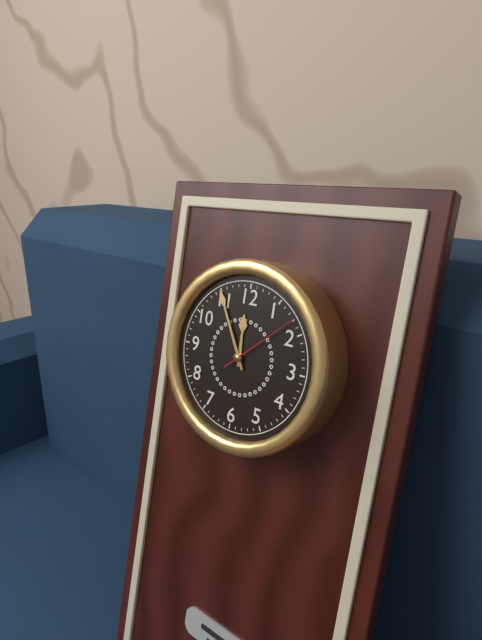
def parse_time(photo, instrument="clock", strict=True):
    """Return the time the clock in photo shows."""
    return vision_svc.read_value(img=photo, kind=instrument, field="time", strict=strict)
11:55:08
